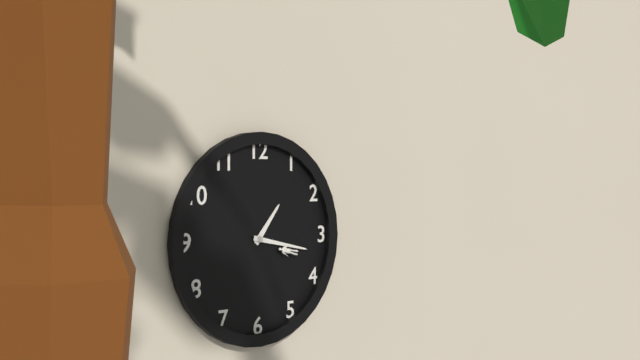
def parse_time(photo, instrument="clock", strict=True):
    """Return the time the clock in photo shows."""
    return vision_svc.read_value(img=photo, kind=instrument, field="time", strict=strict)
1:17
